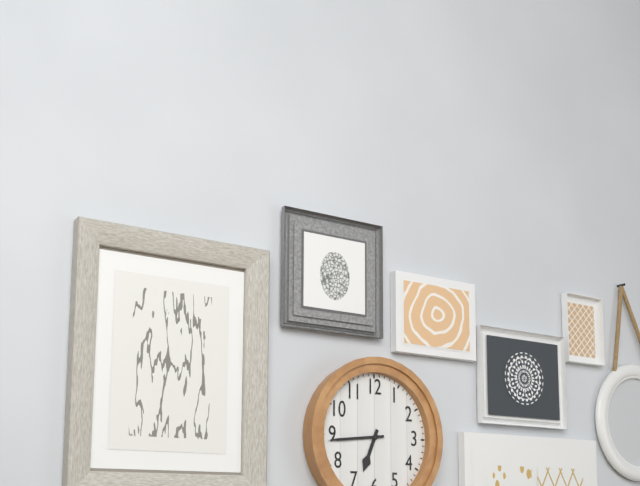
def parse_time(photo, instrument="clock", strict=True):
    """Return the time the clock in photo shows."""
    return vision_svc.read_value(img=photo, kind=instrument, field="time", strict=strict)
6:44
